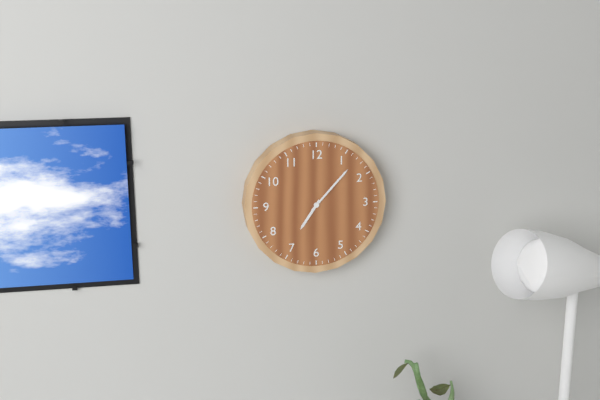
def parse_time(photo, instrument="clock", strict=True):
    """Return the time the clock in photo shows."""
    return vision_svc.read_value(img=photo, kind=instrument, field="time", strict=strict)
7:07
